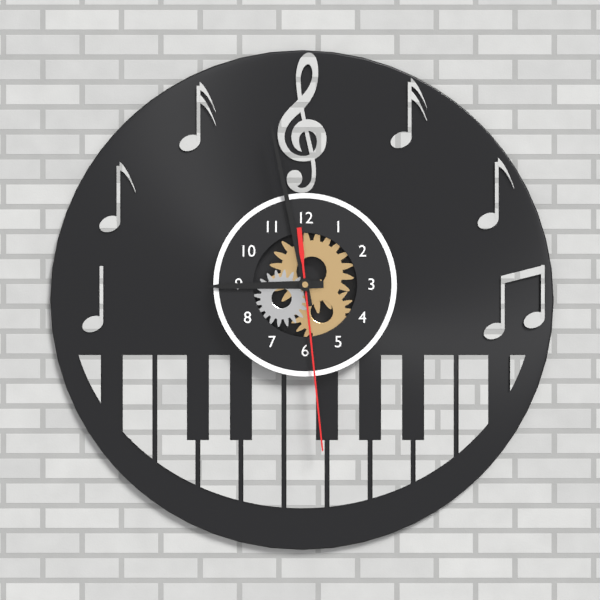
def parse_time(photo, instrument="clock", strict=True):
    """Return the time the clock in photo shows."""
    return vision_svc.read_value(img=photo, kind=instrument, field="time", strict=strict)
8:58:29
